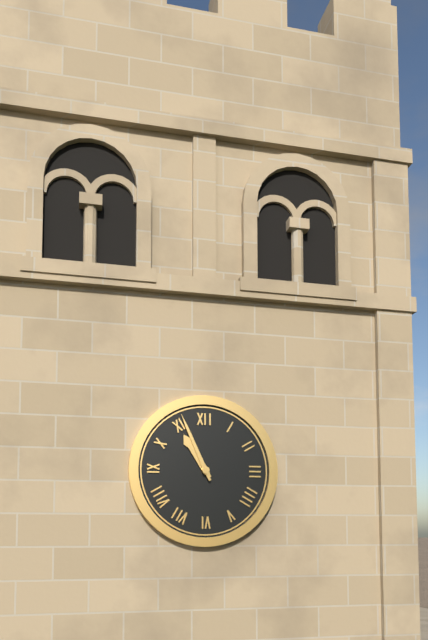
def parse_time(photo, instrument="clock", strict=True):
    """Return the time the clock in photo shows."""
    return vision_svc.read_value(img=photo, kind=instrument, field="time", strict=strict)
10:56
